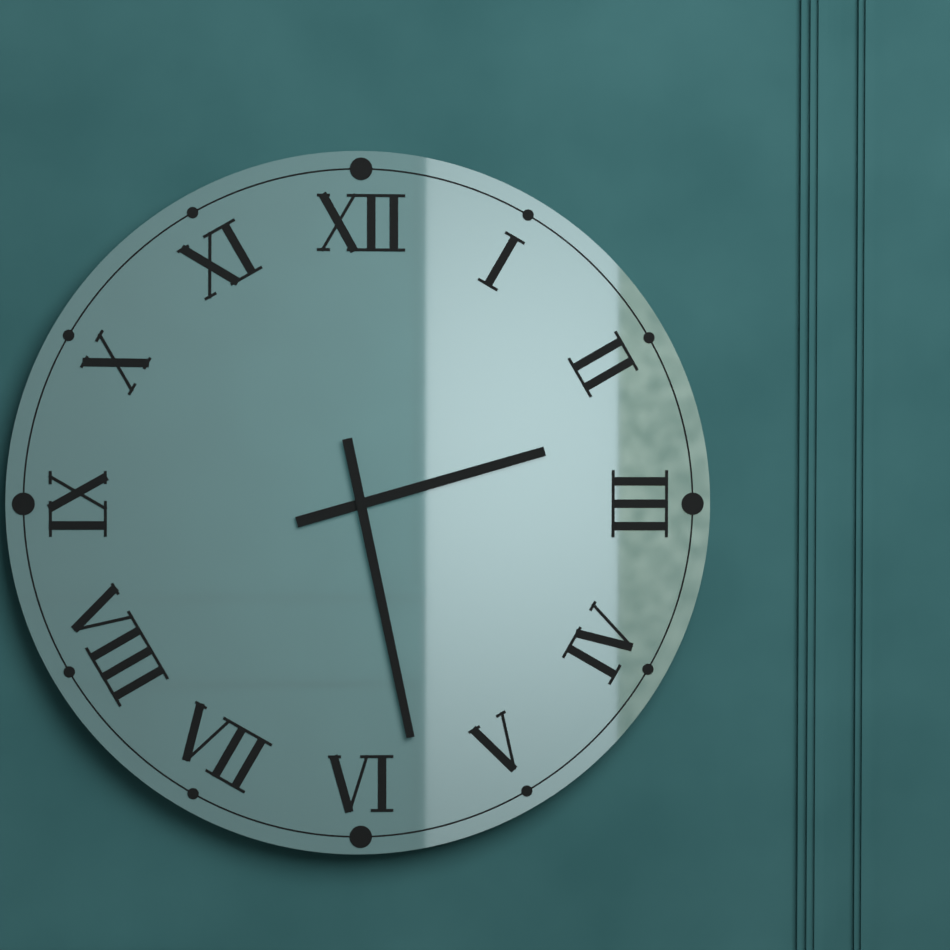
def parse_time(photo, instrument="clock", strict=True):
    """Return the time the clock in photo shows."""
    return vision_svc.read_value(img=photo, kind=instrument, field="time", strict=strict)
2:28
